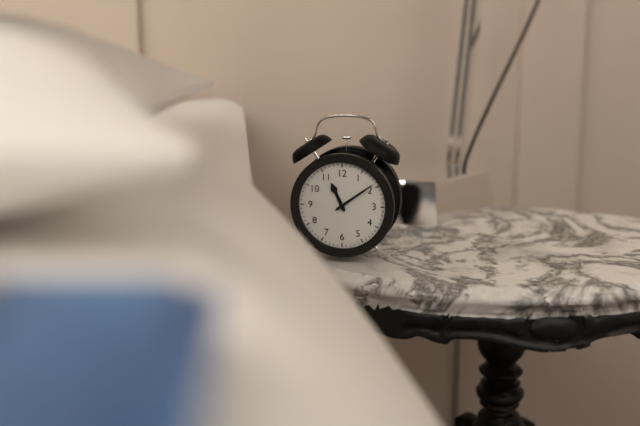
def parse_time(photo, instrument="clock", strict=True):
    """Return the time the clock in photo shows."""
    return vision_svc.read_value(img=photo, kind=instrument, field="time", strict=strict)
11:09
